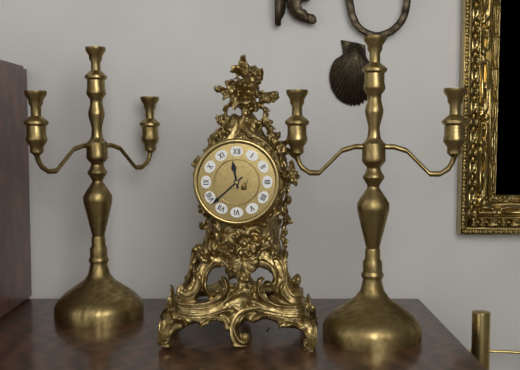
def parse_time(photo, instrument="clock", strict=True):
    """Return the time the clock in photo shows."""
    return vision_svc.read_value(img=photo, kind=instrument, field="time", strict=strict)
11:38
